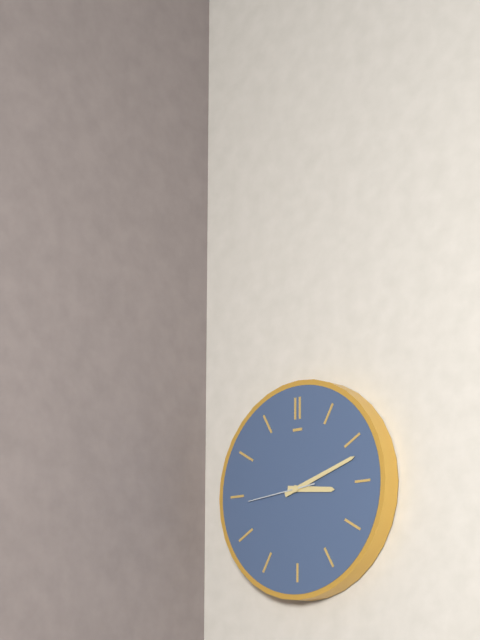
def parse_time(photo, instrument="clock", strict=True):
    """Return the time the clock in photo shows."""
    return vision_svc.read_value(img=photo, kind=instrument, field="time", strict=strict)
3:12:44
